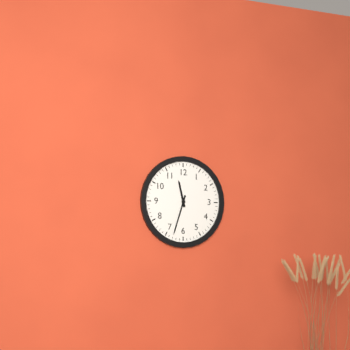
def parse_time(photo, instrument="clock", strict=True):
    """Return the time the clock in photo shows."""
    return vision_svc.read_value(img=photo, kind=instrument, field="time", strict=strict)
11:33
